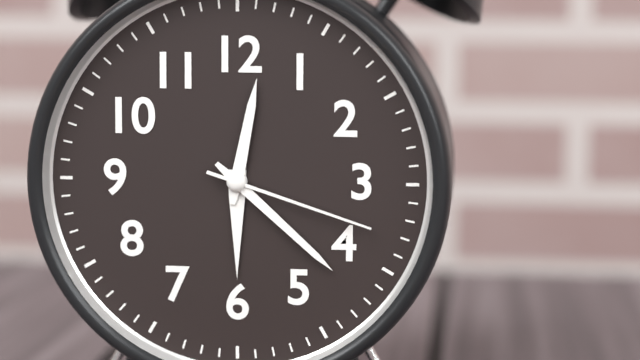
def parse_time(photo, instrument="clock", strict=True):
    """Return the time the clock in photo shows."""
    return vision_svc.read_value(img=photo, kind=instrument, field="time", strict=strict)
12:22:18
